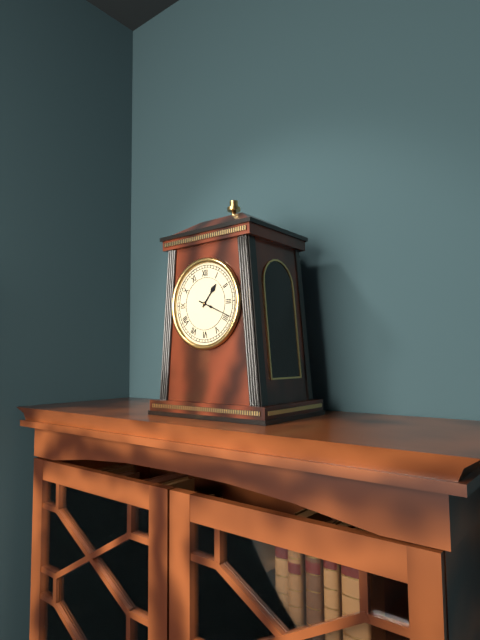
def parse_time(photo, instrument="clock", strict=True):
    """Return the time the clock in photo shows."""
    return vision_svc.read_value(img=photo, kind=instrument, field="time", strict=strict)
1:19
